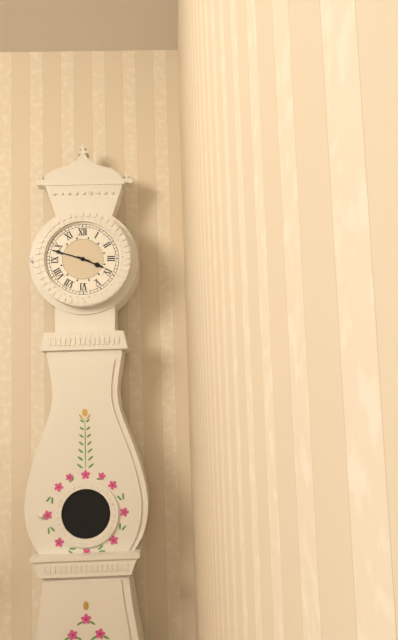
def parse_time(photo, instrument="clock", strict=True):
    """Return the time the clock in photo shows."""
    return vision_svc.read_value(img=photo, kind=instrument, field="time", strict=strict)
3:48
